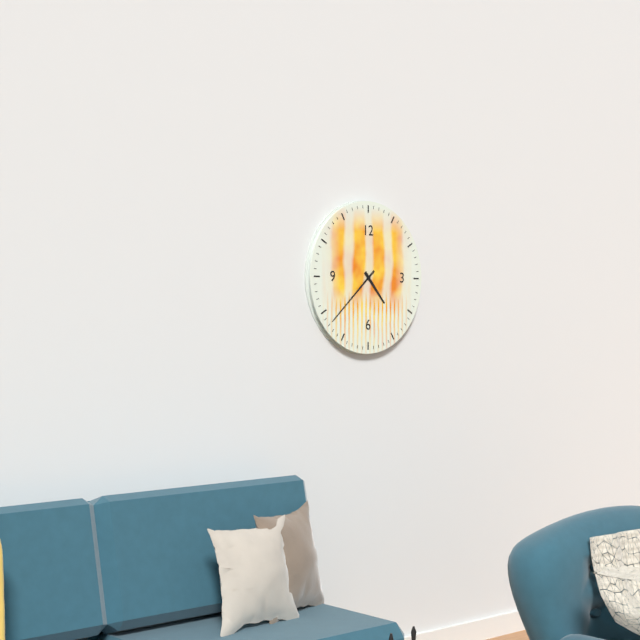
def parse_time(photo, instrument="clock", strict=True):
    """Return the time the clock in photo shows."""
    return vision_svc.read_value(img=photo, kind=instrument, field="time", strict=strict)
4:38
